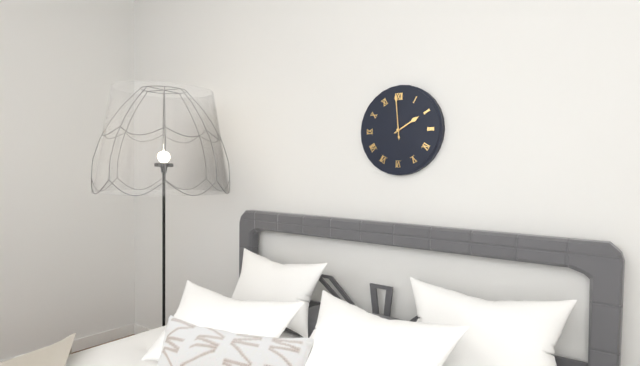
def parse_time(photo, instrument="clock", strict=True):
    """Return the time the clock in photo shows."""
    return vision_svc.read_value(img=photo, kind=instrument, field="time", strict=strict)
1:59
